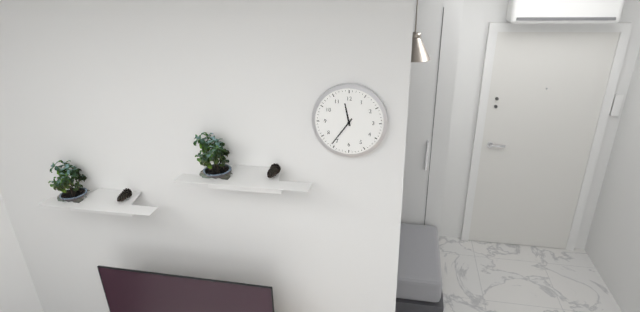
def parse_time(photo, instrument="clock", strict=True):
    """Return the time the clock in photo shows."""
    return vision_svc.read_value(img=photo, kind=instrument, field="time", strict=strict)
11:36
